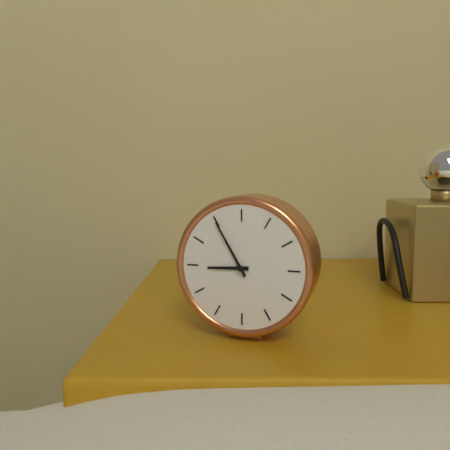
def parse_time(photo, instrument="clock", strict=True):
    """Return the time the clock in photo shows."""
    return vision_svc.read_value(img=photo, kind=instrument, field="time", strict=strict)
8:55
